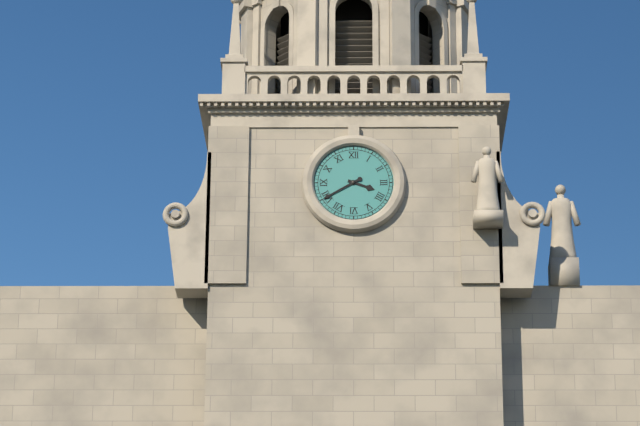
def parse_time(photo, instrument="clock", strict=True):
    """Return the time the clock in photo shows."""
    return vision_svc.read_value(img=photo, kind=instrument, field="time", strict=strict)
3:40
